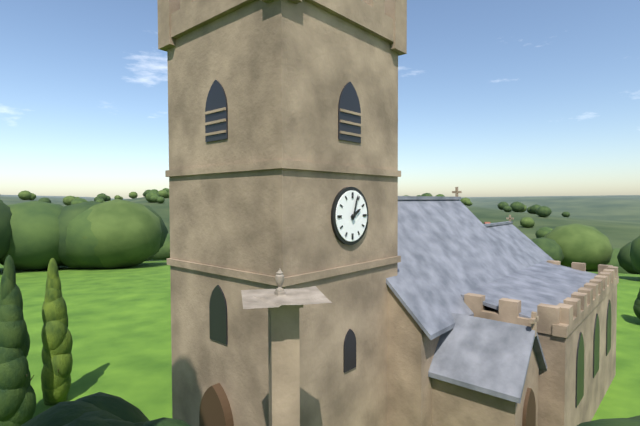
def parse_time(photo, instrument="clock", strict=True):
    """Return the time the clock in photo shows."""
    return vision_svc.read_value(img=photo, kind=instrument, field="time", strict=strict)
2:03
